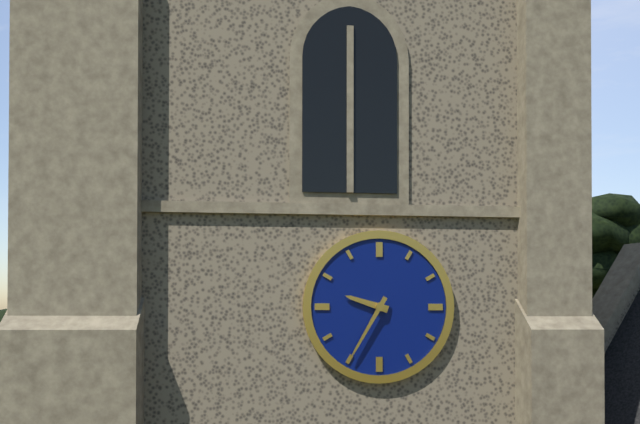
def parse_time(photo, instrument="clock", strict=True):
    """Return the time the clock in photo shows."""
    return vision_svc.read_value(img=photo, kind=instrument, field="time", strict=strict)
9:35
